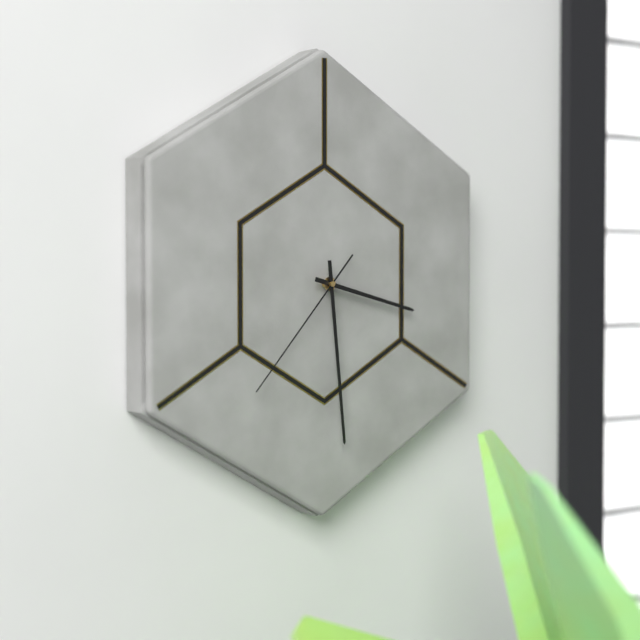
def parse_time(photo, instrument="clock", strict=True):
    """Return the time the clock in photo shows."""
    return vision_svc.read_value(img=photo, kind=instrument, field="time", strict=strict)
3:29:37
